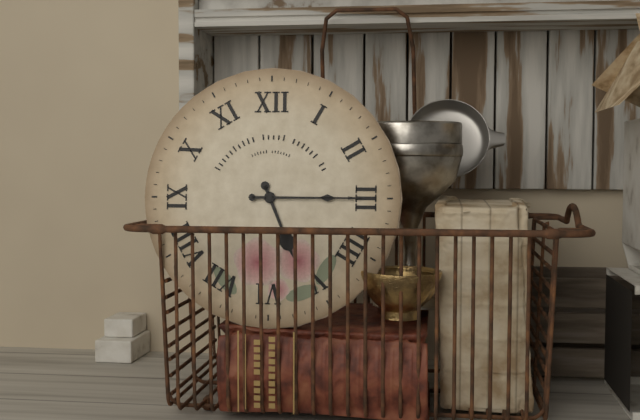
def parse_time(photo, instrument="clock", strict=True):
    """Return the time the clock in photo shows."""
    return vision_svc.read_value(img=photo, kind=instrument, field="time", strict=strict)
5:15
